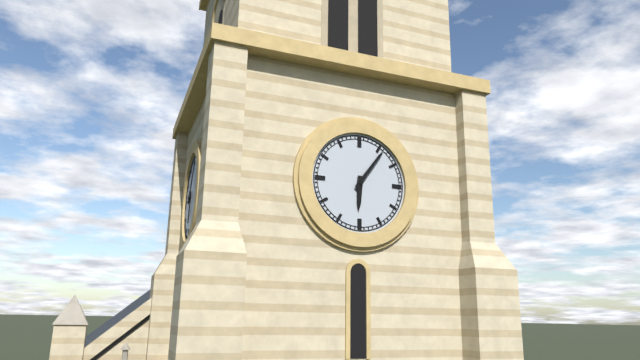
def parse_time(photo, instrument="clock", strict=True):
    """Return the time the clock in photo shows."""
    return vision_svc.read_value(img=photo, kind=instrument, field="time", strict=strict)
6:06
